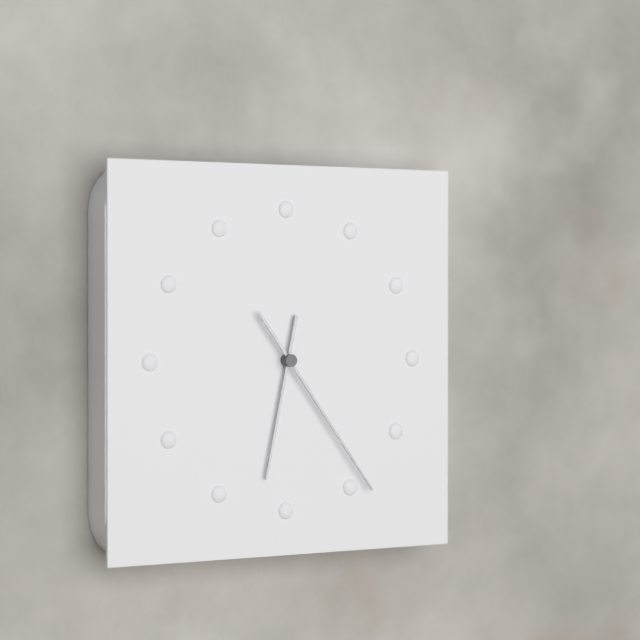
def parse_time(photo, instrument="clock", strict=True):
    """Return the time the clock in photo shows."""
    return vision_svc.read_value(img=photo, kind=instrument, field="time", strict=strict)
6:24
